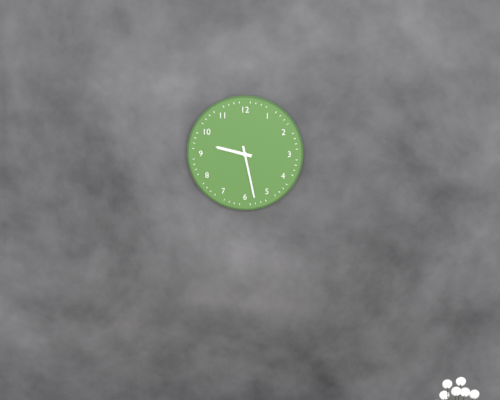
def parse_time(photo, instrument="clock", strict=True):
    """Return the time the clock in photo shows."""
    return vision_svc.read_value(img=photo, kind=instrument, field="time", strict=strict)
9:28
